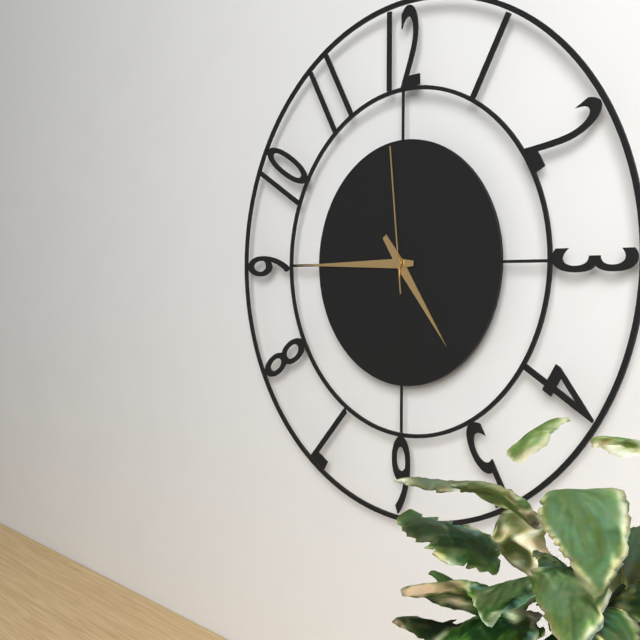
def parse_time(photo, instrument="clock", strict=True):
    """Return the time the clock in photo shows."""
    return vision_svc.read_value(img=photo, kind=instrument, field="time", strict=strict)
4:45:59
